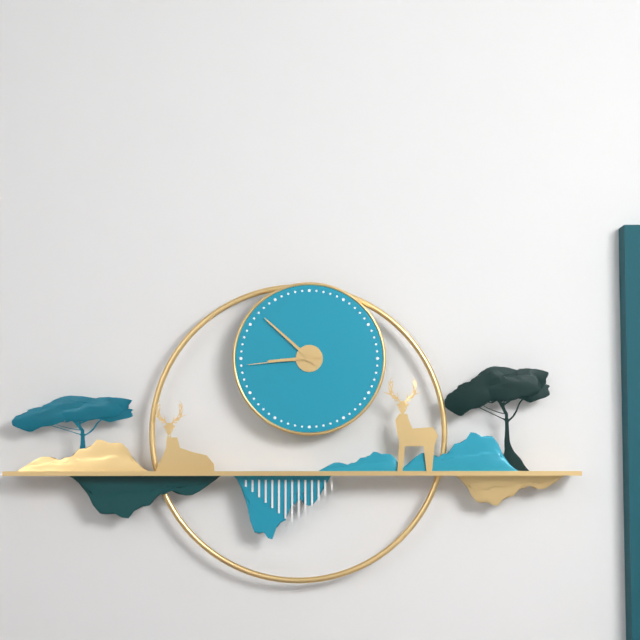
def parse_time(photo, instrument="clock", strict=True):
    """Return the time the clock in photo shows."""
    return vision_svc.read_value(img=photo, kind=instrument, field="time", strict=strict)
8:52:44
